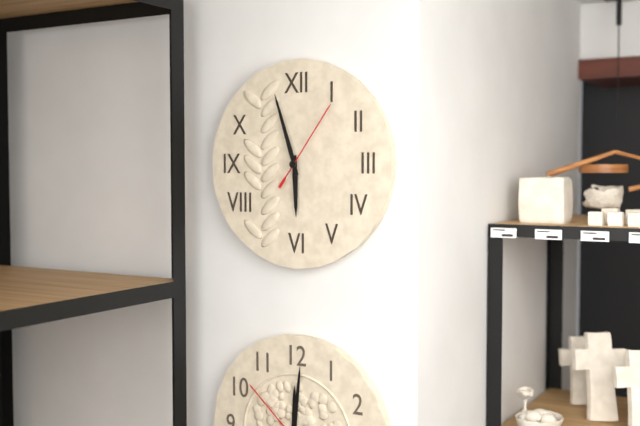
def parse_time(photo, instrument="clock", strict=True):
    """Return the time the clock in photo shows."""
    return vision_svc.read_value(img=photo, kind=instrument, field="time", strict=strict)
5:57:06
